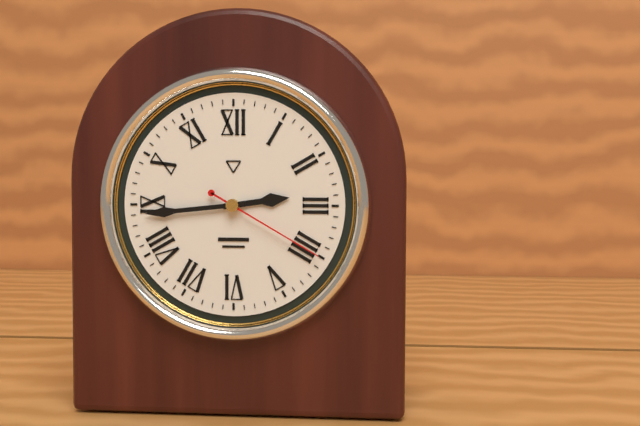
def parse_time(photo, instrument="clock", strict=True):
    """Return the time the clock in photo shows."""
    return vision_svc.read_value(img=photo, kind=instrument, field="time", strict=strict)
2:44:20
